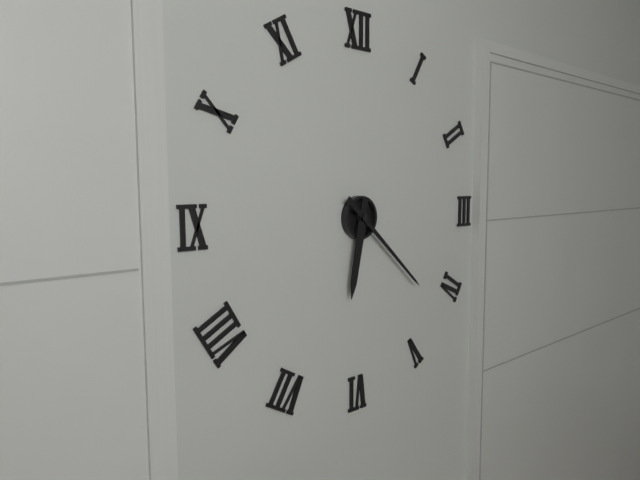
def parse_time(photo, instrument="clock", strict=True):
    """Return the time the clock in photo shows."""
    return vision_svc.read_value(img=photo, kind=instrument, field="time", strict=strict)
6:22
